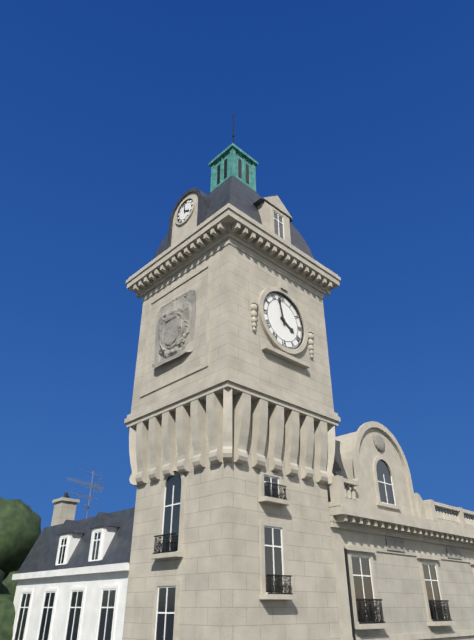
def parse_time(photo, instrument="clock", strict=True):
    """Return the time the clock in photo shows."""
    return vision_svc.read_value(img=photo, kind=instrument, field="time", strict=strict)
3:58
